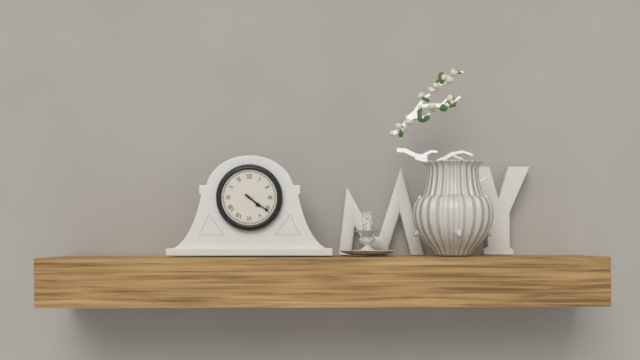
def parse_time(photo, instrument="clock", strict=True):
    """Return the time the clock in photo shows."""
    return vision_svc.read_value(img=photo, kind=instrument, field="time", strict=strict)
4:21
